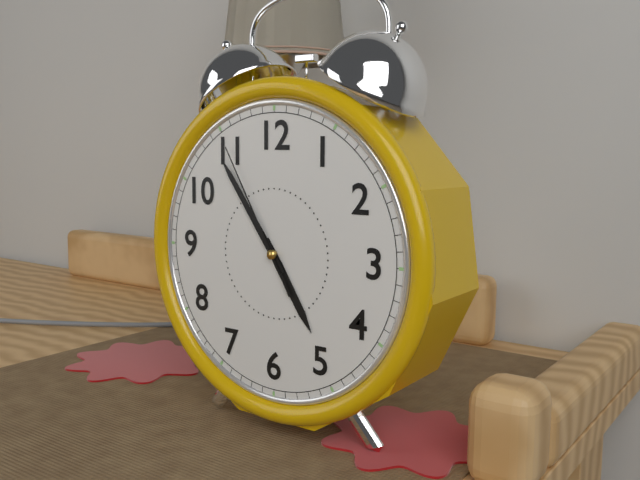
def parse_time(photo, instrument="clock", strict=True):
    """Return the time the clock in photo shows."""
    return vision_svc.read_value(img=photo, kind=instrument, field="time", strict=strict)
4:54:55
